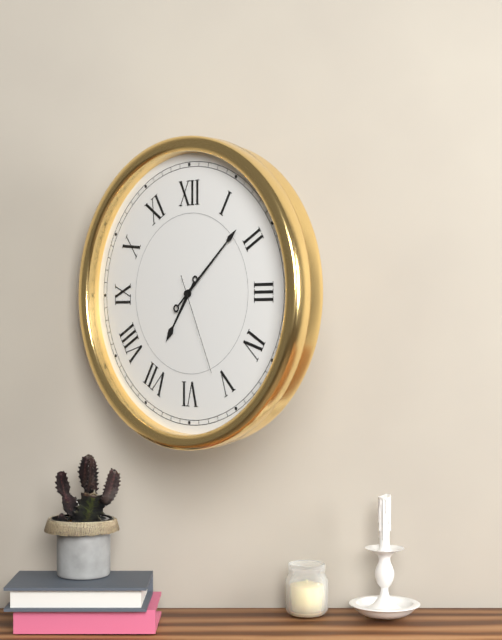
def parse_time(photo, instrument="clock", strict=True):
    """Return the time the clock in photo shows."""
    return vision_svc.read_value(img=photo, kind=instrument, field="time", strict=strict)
7:08:26
